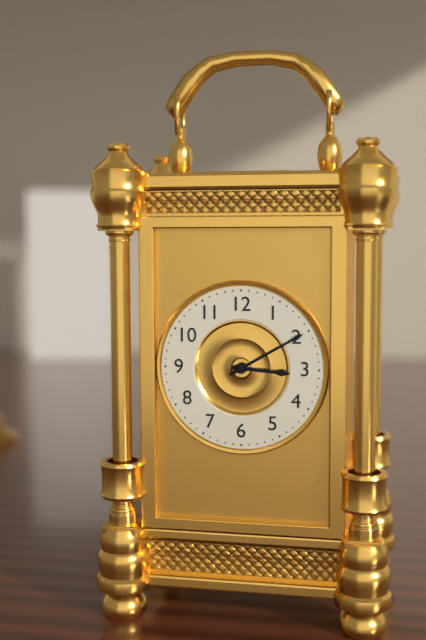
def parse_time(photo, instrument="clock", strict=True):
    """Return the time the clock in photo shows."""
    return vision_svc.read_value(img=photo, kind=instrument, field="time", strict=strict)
3:10
